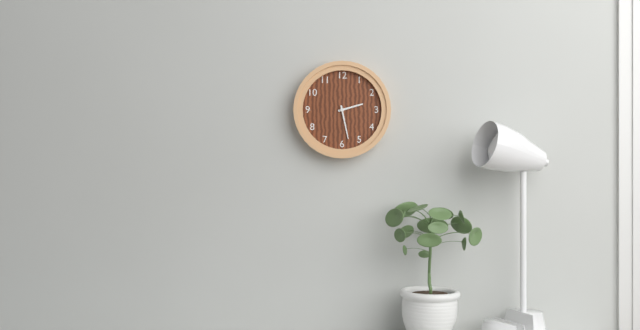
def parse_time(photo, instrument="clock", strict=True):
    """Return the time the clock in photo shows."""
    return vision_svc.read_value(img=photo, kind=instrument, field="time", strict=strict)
2:28
